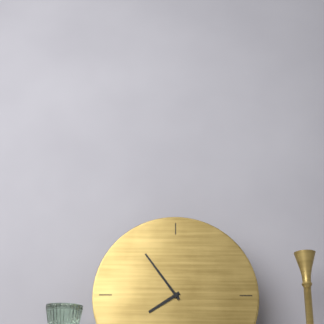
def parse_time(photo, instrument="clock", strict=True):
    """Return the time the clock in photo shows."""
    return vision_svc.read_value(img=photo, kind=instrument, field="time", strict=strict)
7:54
